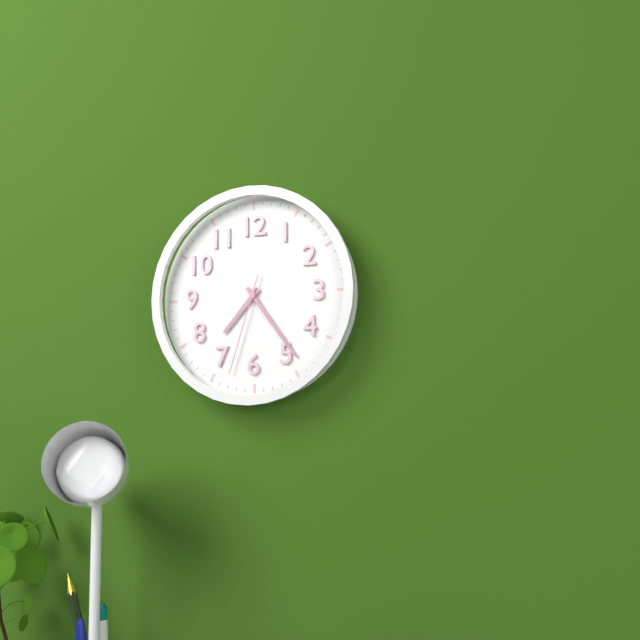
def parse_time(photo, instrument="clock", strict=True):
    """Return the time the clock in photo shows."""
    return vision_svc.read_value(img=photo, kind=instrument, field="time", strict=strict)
7:24:33
